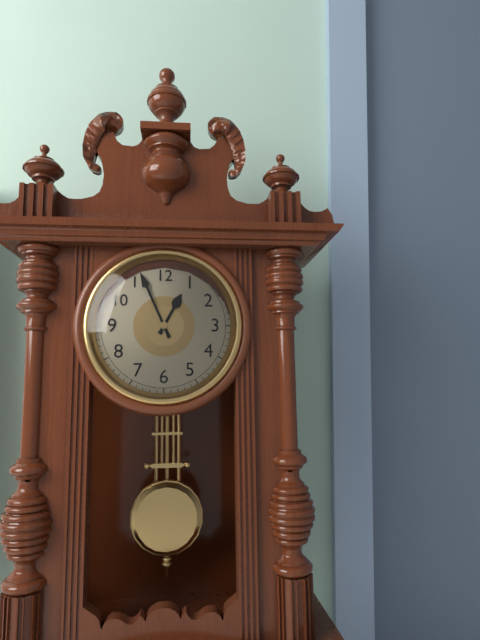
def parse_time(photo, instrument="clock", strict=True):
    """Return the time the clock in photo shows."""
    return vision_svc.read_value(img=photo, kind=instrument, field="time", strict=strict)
12:56
